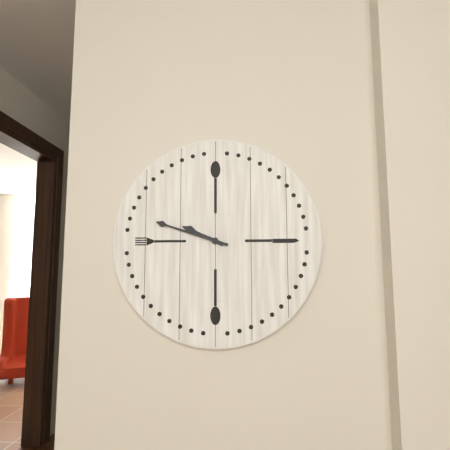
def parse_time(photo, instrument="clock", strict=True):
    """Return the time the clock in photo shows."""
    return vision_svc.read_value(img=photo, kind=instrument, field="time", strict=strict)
9:48
